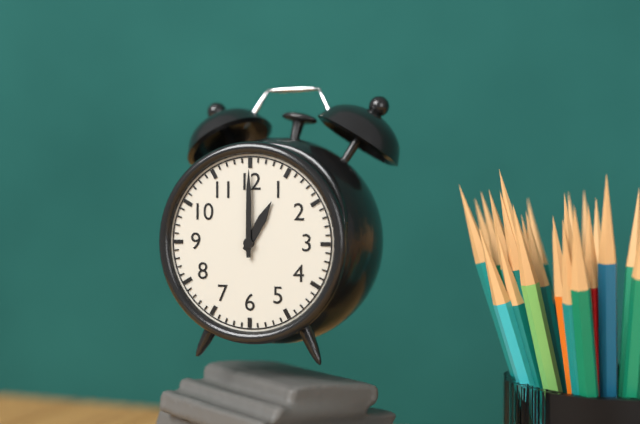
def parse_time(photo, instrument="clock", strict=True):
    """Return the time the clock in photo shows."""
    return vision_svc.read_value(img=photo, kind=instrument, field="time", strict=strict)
1:00
